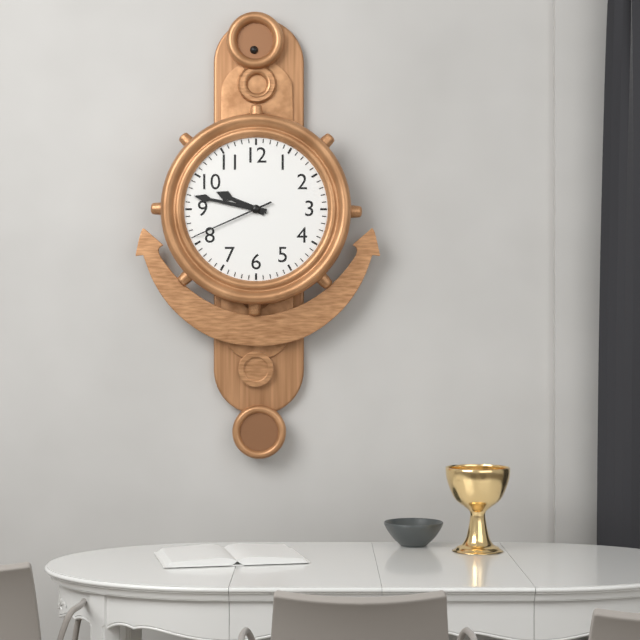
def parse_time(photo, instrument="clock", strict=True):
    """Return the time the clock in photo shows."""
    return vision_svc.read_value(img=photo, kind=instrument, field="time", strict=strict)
9:47:41
